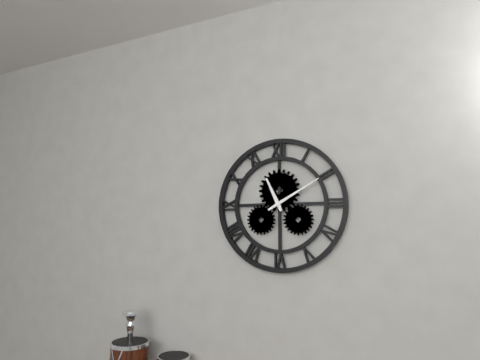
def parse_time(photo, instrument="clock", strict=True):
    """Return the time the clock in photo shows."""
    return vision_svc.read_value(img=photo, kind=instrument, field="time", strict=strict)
11:10
